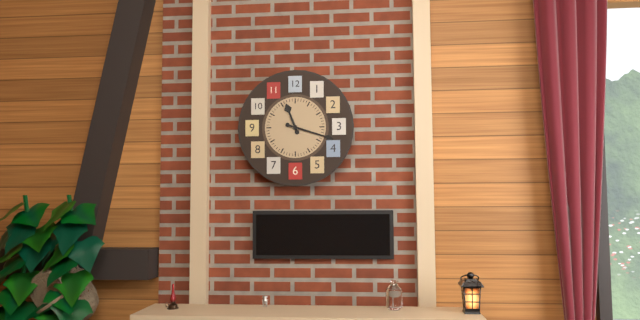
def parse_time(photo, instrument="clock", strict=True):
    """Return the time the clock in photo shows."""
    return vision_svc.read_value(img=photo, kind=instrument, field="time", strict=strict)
11:18
